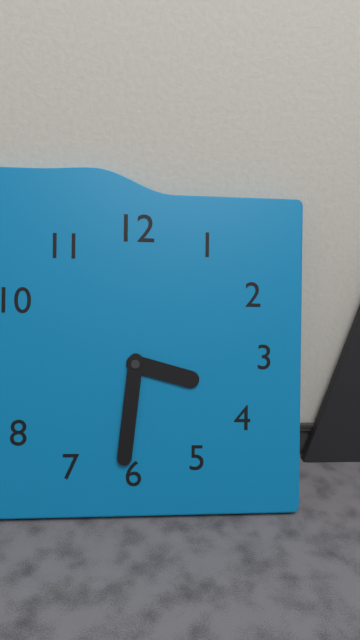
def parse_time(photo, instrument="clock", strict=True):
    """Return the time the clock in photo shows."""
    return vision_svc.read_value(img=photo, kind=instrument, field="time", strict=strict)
3:31
